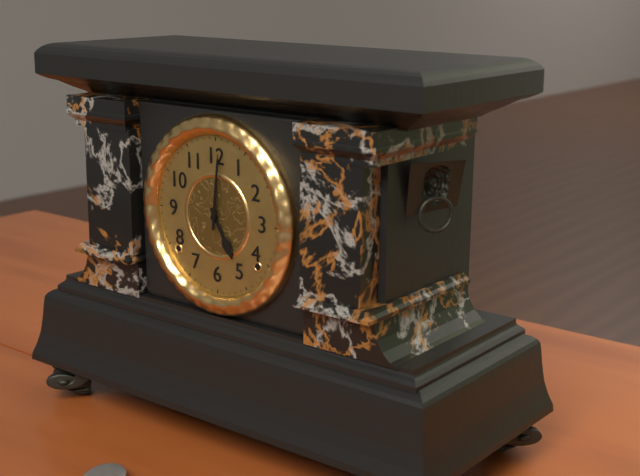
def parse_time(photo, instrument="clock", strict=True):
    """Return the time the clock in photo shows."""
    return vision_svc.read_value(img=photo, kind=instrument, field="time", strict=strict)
5:01
